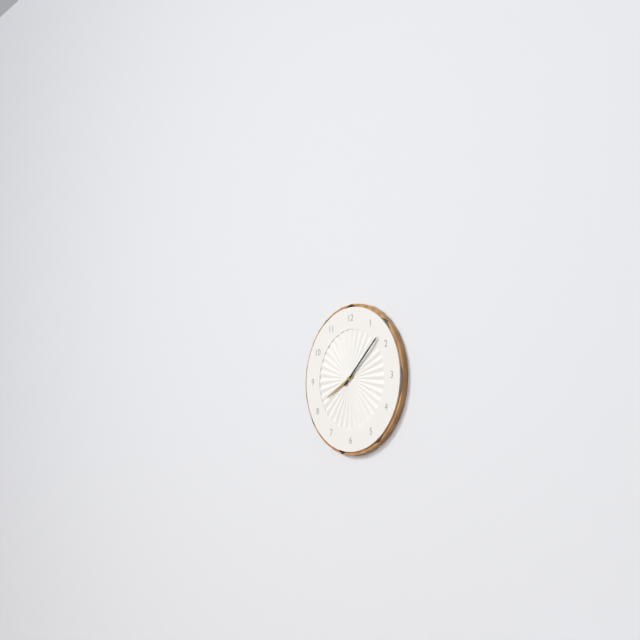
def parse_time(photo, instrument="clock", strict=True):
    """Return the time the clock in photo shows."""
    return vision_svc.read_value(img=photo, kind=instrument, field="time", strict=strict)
8:08
